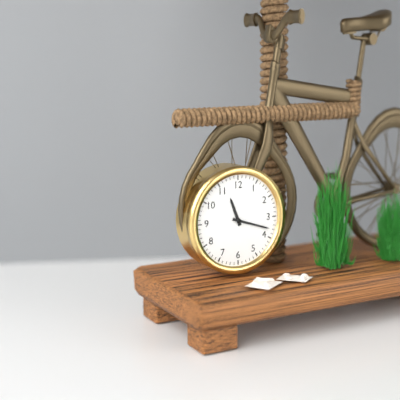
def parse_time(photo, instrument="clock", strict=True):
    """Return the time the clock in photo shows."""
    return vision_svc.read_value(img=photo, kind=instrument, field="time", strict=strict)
11:18
